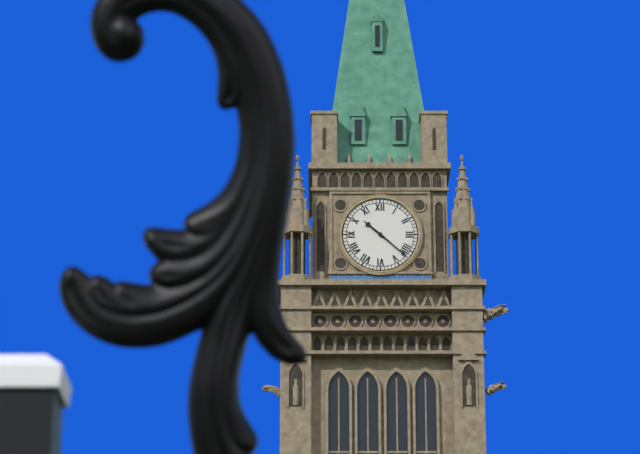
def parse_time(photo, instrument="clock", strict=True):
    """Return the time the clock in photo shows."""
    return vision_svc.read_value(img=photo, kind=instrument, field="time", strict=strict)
10:22
